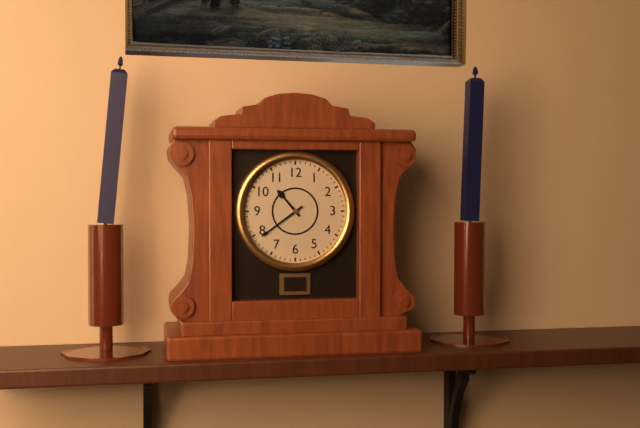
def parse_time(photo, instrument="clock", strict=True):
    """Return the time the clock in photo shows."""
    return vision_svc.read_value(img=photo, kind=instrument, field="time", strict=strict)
10:39
